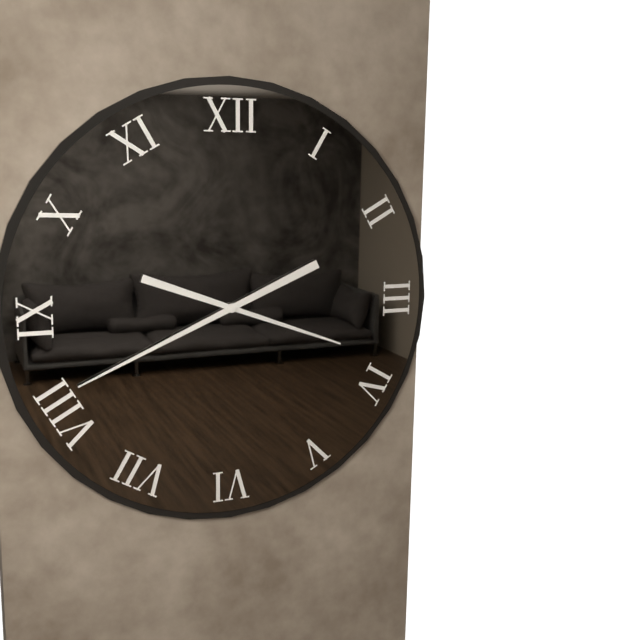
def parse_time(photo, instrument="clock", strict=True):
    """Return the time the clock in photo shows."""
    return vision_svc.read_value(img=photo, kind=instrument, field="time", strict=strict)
3:41
